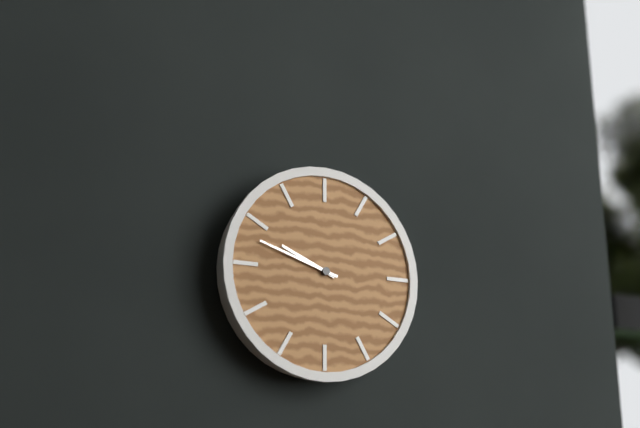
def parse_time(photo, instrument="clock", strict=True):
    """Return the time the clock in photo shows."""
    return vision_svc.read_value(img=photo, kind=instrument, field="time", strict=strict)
9:48
